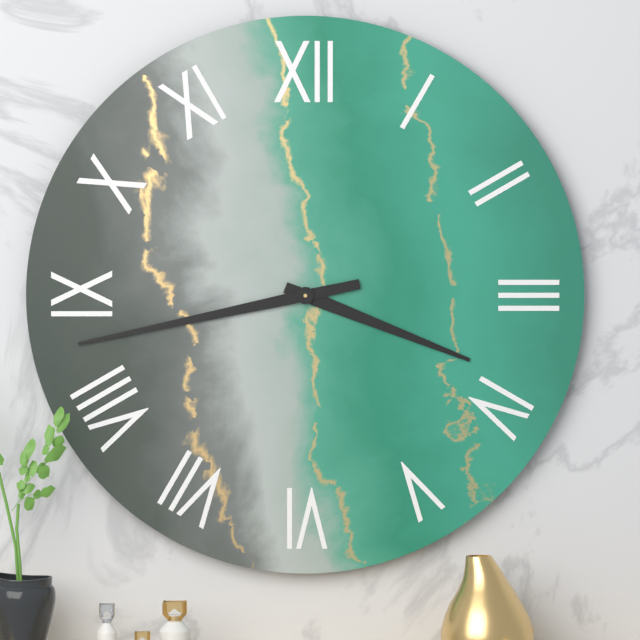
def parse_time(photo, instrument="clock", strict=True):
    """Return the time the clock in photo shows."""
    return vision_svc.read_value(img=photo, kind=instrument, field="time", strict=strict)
3:43
